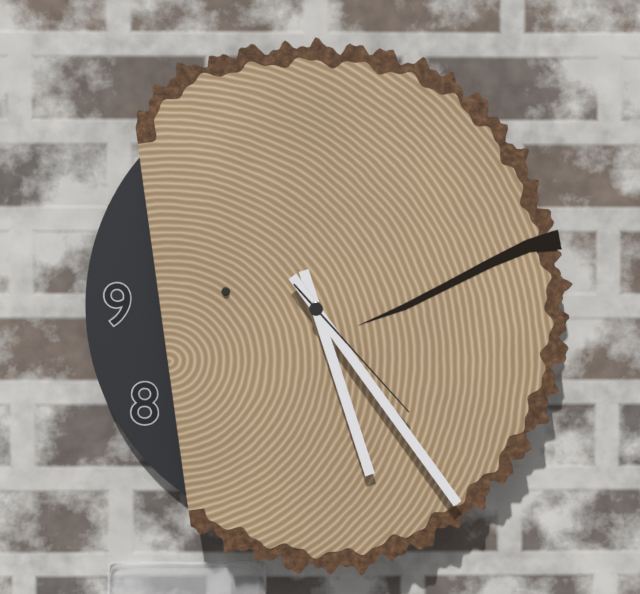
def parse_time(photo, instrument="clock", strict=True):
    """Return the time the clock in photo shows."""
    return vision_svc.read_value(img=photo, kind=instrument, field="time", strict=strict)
5:24:23
